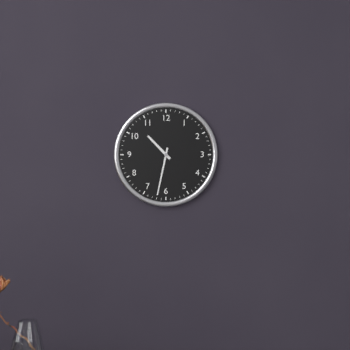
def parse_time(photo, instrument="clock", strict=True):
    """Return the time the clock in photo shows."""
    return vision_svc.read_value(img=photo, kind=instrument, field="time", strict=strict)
10:32
